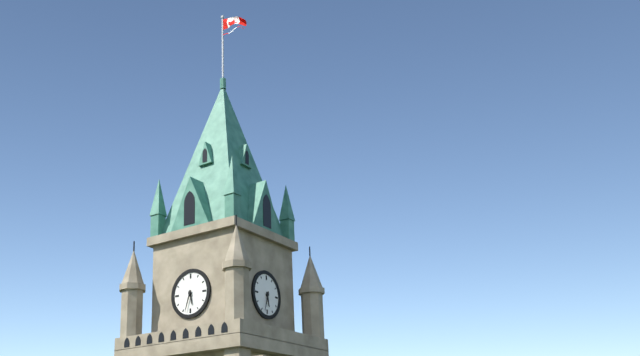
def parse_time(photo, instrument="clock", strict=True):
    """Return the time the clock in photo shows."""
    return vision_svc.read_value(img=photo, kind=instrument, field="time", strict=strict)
5:33
